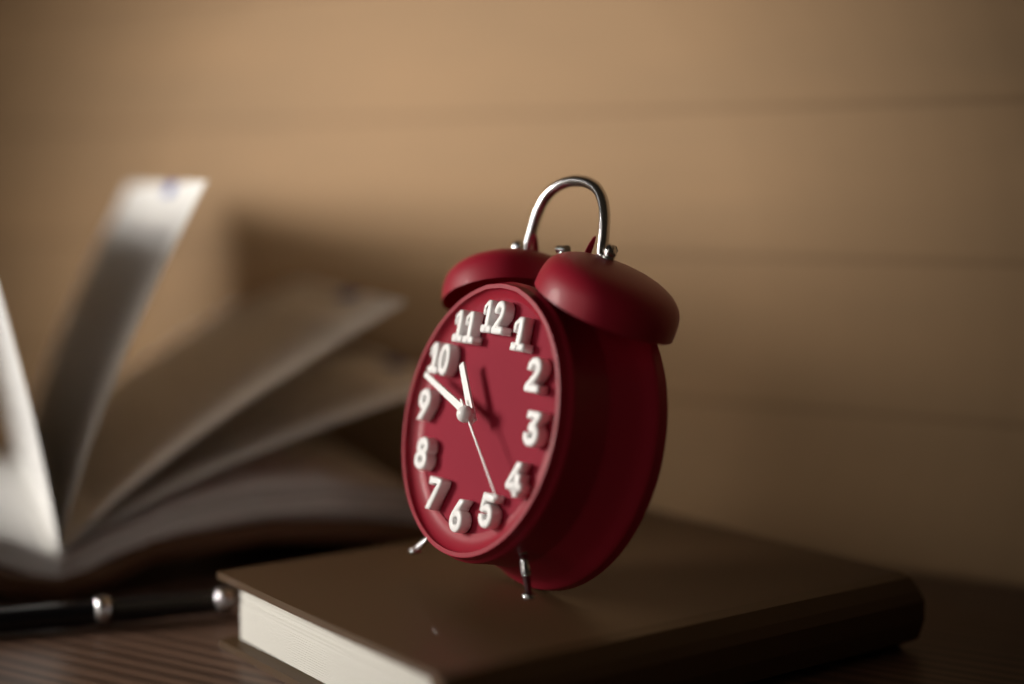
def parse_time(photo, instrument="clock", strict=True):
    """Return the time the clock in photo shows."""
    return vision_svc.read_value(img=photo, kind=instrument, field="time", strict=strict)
10:48:22
